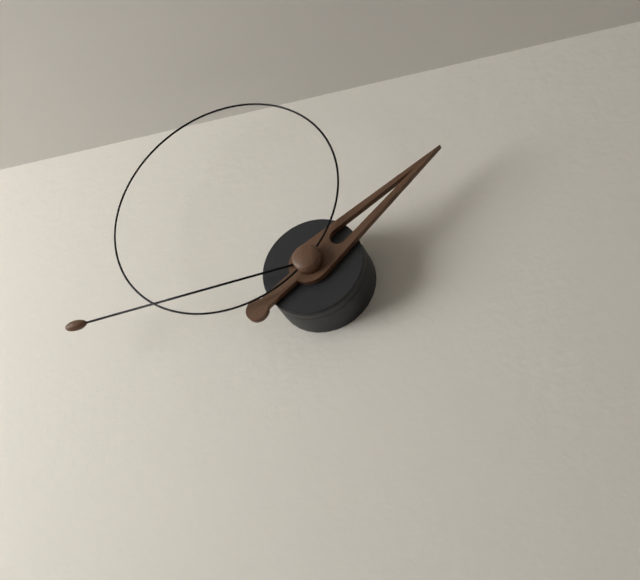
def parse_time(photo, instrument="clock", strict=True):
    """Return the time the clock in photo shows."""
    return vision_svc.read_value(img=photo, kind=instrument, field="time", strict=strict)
1:44:52
